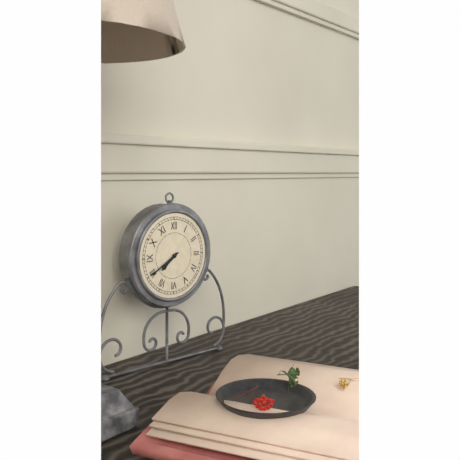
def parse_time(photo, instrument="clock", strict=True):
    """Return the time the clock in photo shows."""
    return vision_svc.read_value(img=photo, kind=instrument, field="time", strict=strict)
7:40
